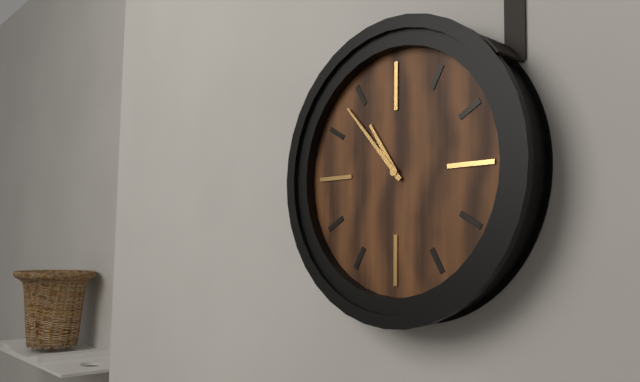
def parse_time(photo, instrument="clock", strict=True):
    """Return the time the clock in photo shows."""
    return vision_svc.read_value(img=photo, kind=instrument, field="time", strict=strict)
10:53
